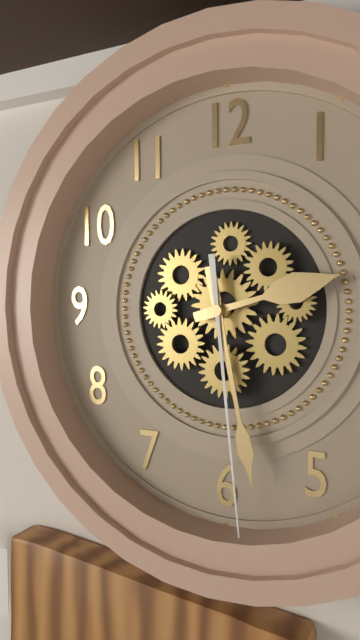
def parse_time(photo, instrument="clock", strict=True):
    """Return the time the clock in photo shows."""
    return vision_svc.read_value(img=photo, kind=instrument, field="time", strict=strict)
2:28:29
